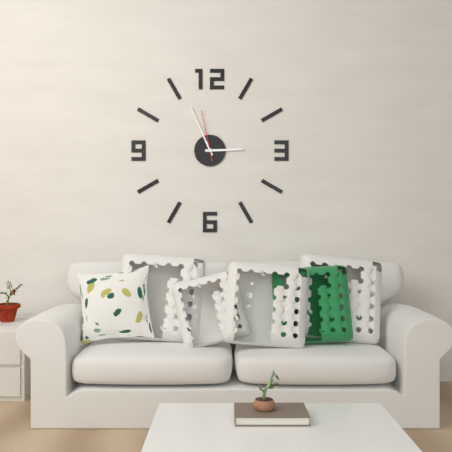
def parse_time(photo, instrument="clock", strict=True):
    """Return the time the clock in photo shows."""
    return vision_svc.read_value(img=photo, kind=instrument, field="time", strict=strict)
2:56:58
